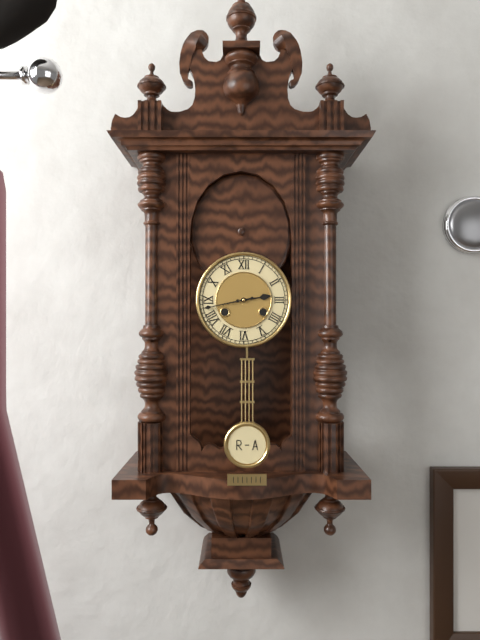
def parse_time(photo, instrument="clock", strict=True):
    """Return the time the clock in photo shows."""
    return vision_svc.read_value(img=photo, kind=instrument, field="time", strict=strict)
2:43
